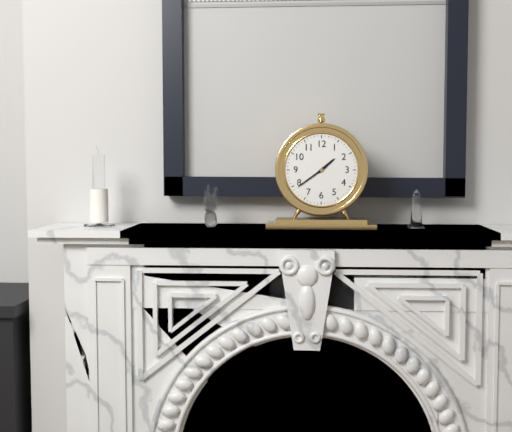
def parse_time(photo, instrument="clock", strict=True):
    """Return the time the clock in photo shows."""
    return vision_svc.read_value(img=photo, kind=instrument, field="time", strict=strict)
1:39
